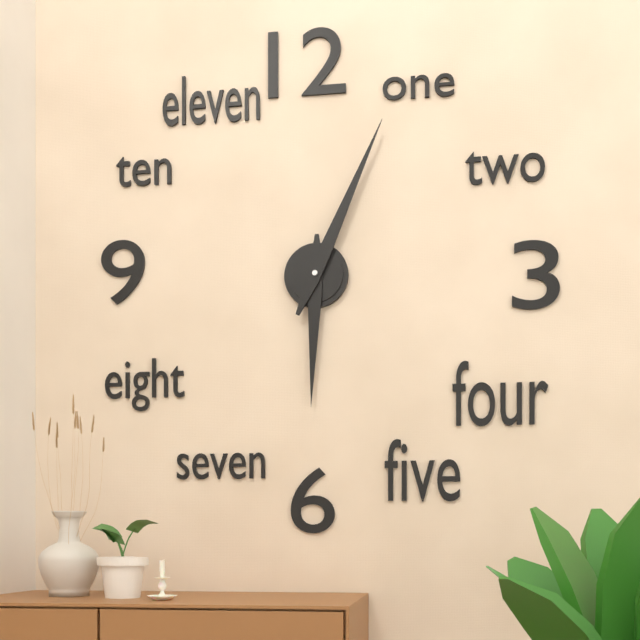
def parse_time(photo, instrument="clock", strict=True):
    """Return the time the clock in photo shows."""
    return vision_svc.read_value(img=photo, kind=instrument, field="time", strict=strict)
6:04
